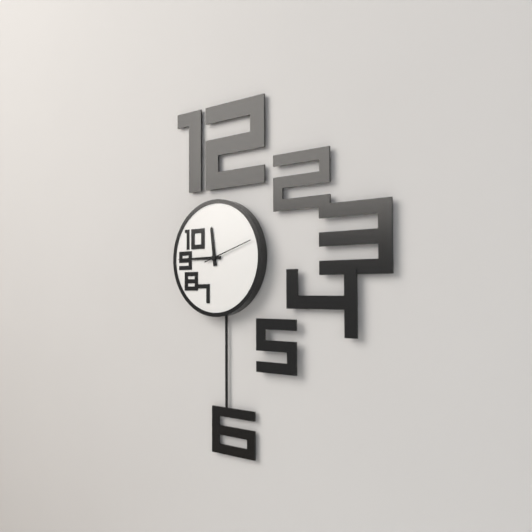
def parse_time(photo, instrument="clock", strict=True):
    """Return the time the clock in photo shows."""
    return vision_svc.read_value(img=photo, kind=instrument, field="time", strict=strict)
11:45:12
